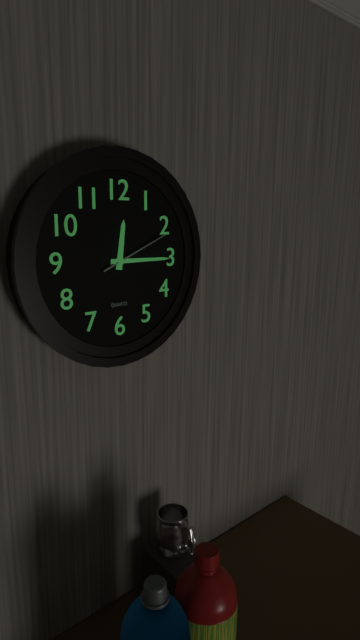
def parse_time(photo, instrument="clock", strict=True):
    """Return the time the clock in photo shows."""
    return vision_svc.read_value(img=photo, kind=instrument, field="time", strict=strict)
12:15:11
